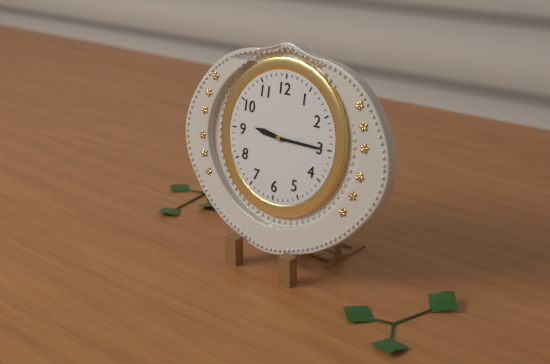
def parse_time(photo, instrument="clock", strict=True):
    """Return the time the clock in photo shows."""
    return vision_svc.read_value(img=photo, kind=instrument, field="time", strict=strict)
9:15
